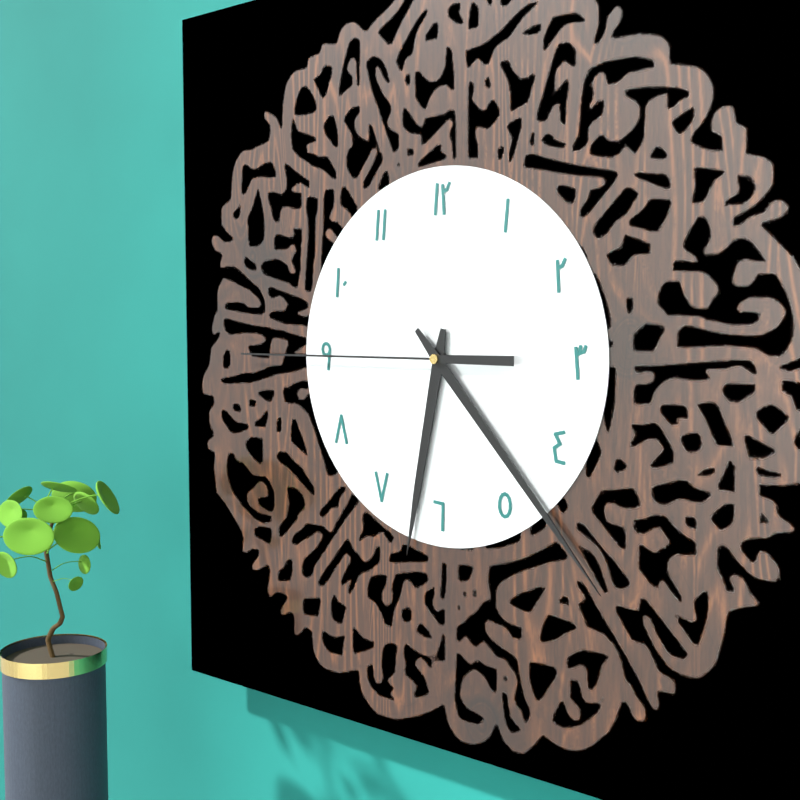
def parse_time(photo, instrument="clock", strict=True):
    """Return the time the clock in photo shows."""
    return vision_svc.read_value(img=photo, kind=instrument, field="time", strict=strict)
6:23:45
